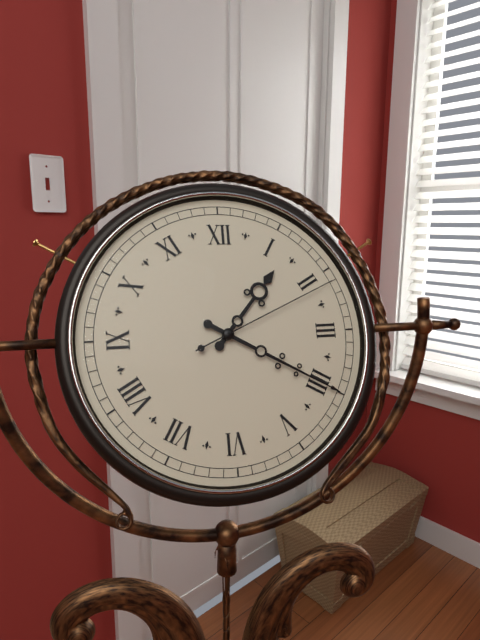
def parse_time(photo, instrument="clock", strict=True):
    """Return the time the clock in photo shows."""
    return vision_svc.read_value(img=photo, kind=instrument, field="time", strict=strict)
1:20:11
